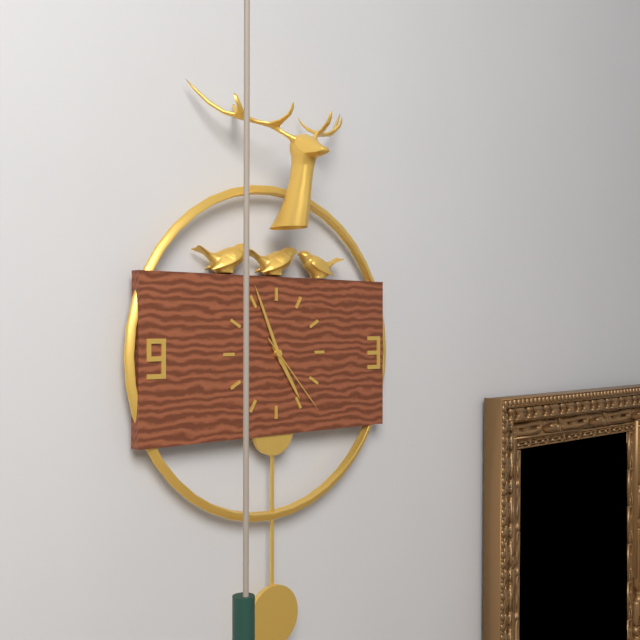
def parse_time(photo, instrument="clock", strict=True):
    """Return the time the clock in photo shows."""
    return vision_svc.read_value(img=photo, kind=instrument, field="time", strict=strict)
4:56:23
